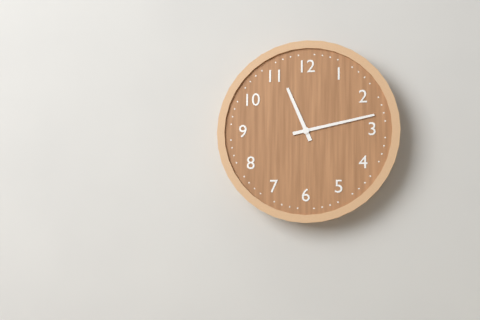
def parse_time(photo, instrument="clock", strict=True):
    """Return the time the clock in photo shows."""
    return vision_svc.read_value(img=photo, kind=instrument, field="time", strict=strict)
11:13
